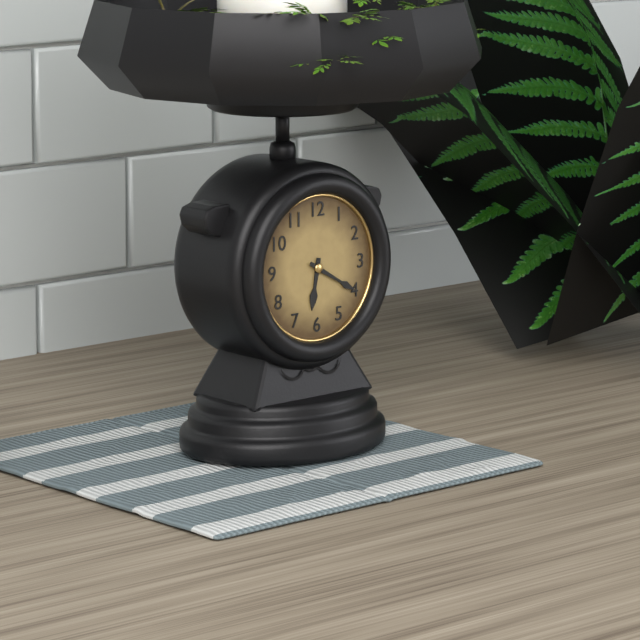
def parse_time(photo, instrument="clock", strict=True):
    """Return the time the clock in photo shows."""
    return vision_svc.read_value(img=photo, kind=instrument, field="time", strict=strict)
6:20
